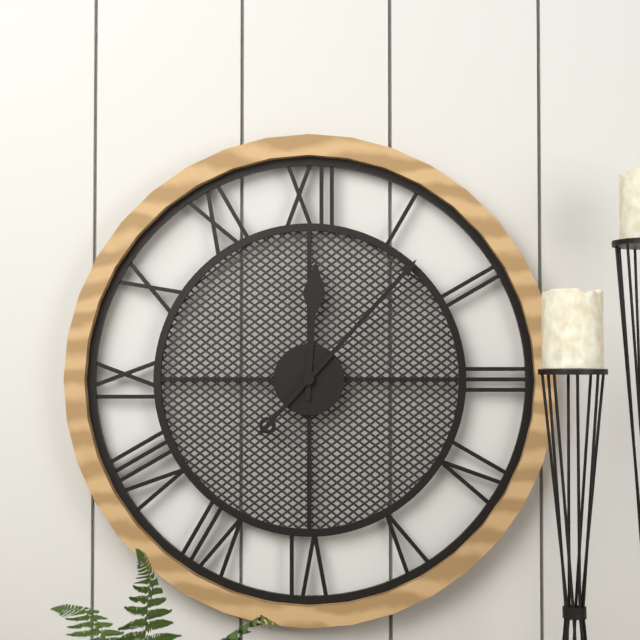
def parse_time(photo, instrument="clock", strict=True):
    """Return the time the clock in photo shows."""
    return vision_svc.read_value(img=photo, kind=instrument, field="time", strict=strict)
12:07
